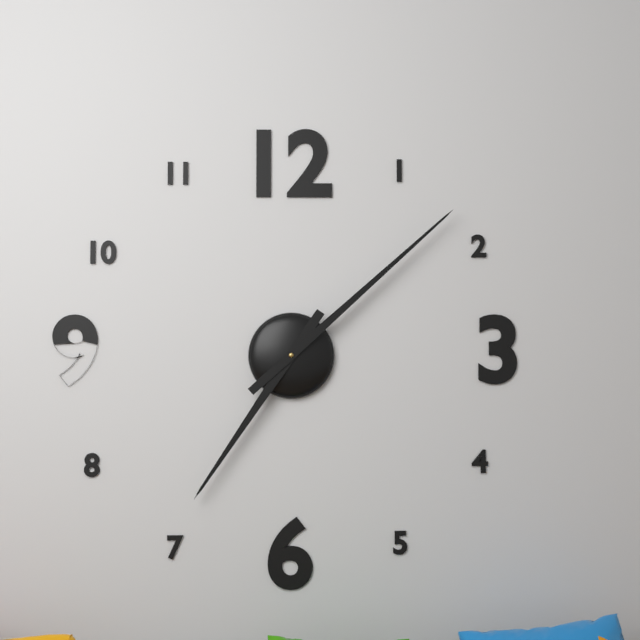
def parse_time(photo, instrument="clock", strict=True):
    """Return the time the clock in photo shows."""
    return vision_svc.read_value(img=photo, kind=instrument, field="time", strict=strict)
7:08
